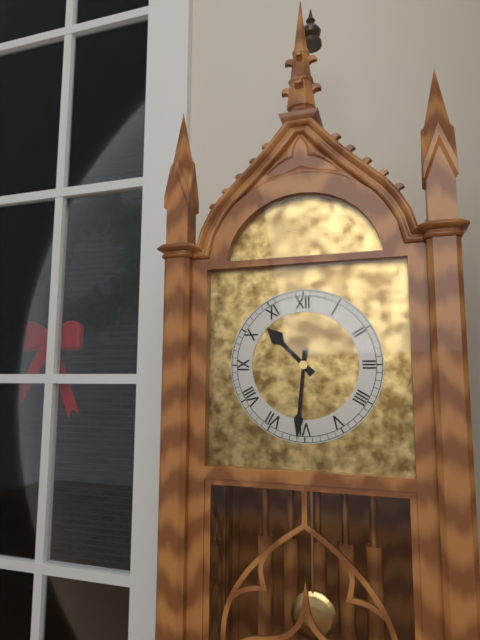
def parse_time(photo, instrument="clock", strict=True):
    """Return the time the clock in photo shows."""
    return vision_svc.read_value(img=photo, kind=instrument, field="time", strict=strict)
10:31
